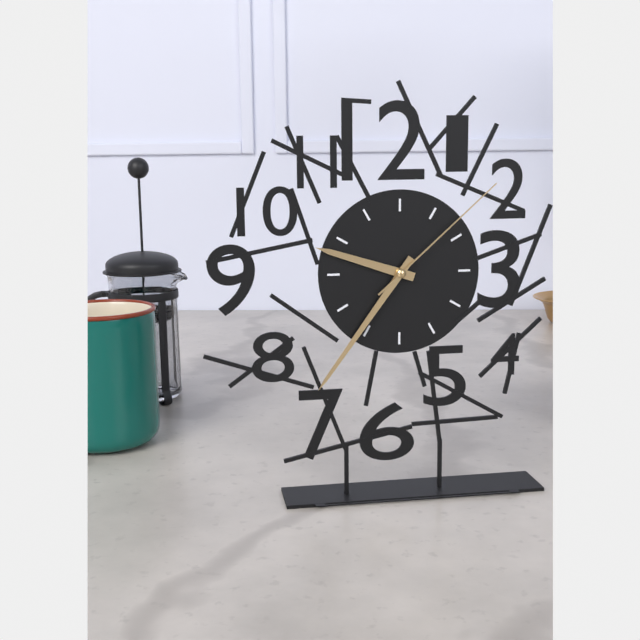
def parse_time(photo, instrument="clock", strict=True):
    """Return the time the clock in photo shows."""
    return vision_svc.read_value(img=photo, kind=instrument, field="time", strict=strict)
9:36:08
